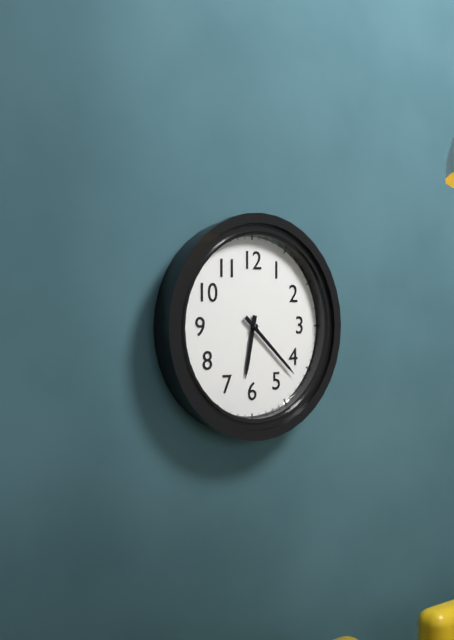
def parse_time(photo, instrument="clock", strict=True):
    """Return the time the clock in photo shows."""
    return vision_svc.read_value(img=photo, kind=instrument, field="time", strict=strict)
6:22
